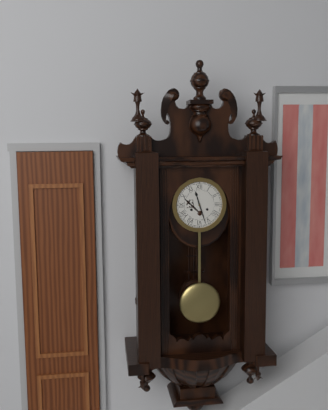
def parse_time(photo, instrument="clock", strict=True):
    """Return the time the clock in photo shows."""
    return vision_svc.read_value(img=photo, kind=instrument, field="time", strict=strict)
11:27
